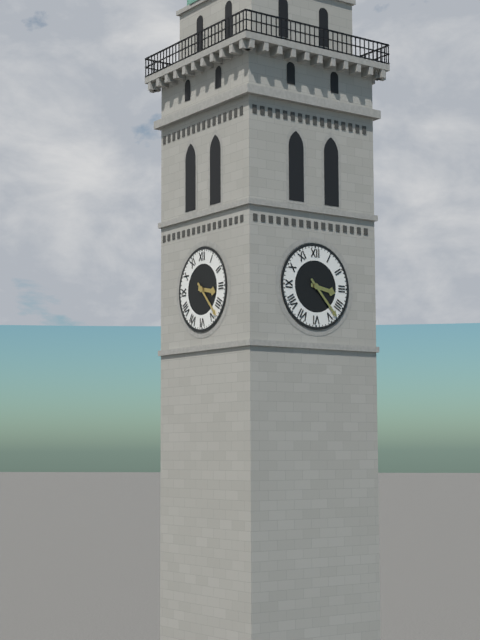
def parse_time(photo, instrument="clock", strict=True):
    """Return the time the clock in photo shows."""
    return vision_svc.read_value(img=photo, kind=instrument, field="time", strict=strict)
3:23
